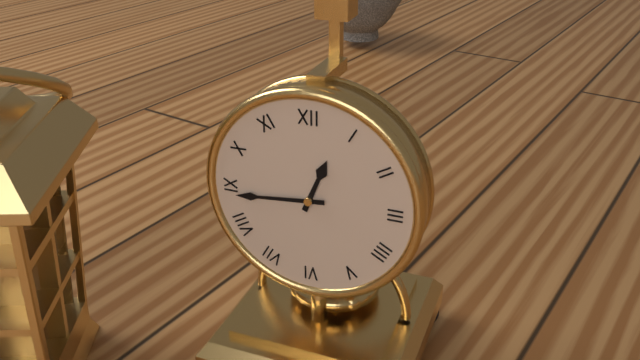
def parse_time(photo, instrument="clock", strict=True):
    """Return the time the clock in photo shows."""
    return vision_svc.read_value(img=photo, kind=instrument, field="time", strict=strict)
12:44
